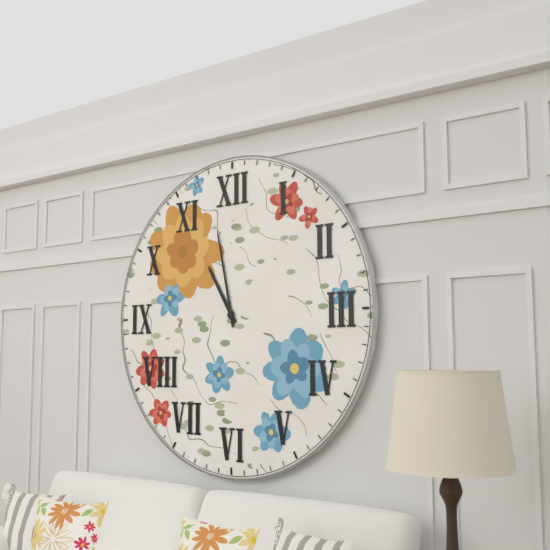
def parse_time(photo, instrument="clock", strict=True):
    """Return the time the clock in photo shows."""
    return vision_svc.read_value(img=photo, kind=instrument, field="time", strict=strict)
10:58
